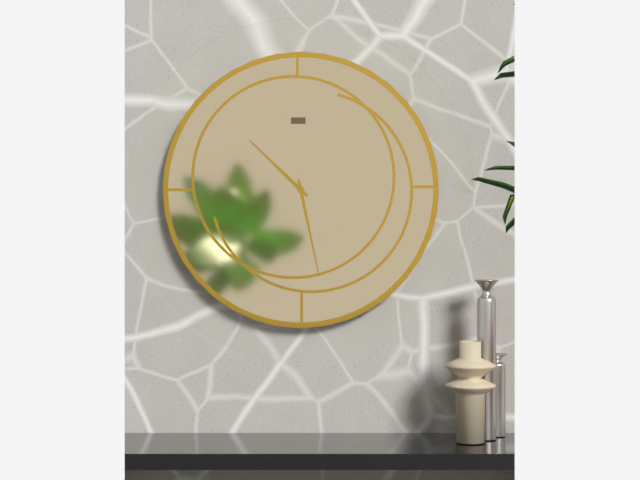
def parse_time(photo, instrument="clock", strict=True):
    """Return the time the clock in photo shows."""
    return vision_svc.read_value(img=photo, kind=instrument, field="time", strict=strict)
10:28
